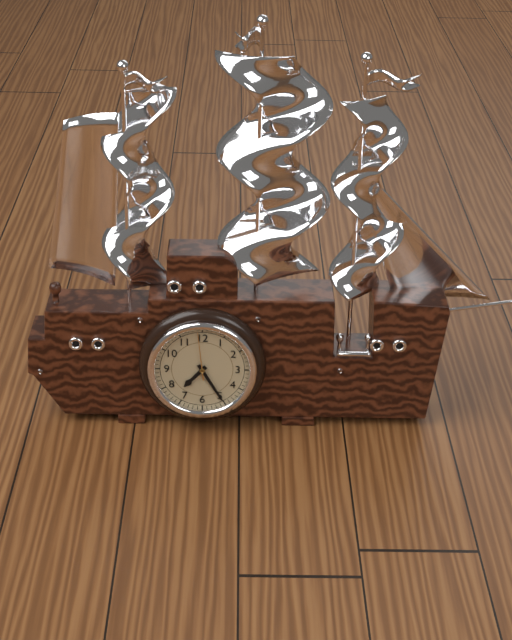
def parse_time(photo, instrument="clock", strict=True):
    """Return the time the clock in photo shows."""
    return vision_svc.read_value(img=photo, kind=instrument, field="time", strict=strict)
7:25
